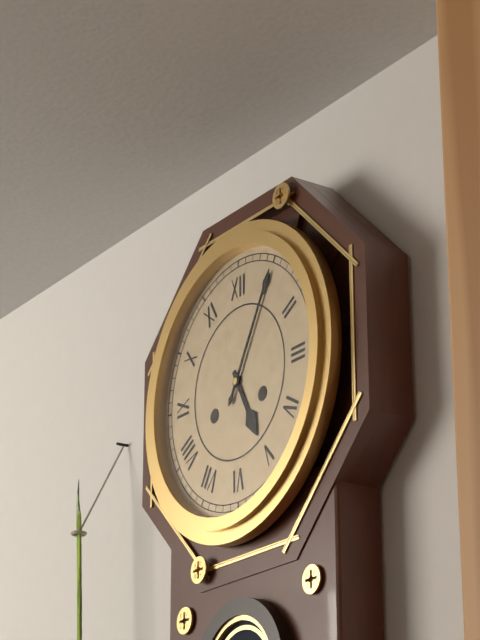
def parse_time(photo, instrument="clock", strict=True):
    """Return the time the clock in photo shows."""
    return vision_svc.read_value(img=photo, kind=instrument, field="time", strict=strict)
5:05
